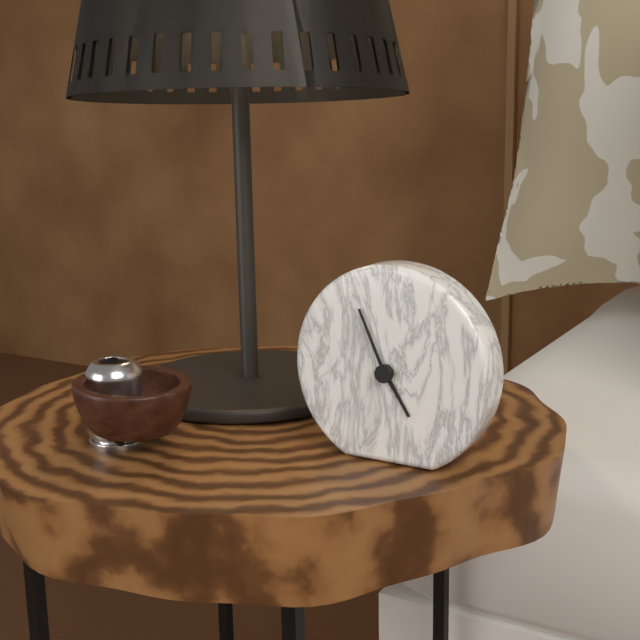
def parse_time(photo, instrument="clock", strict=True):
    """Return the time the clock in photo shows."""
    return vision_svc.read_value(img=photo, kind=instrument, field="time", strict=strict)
4:56
